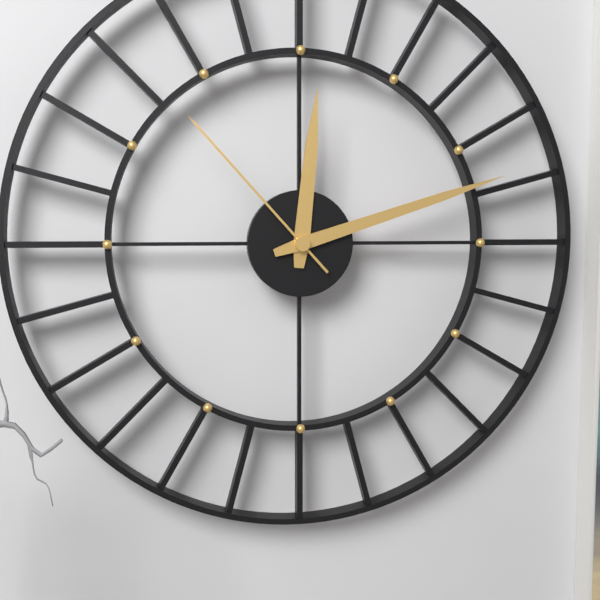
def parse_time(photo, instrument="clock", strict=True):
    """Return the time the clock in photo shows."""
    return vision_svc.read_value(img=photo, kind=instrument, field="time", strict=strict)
12:12:53
